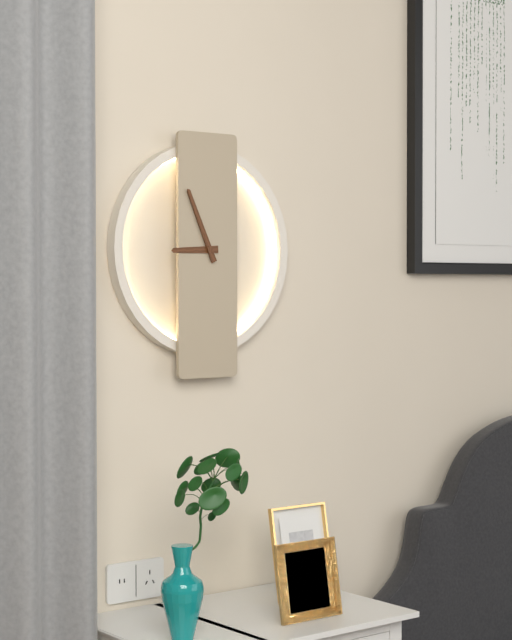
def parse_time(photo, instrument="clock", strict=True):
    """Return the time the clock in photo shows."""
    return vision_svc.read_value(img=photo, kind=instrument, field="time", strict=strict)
8:56
